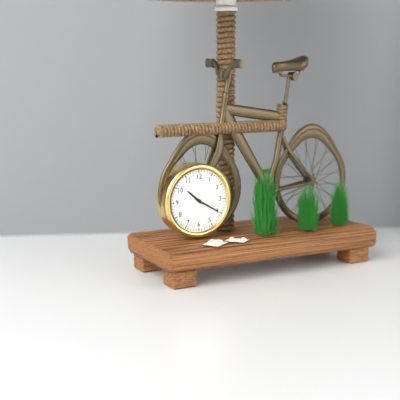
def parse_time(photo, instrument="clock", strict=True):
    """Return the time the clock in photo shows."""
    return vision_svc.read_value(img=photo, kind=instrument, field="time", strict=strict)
10:20
